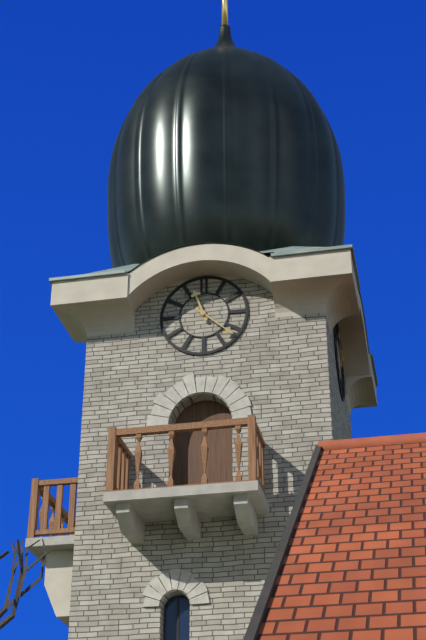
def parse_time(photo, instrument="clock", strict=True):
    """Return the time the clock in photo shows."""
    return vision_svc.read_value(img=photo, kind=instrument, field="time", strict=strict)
11:22
